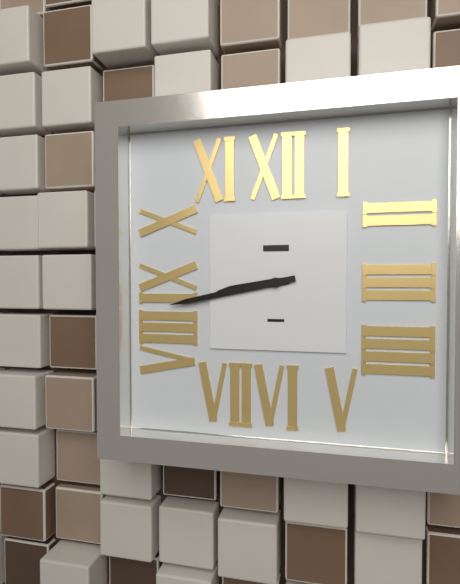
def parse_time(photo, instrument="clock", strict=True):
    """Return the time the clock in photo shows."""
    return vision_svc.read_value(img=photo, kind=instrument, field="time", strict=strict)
8:43
